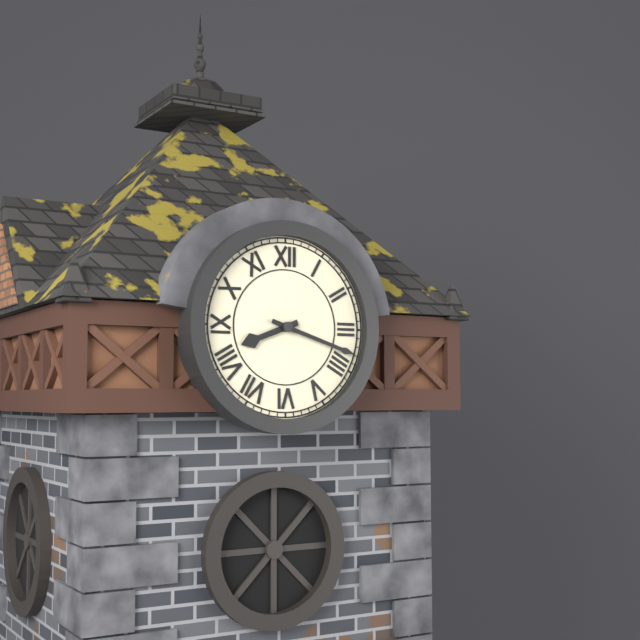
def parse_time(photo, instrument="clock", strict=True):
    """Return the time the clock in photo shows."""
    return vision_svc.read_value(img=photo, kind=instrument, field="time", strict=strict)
8:18
